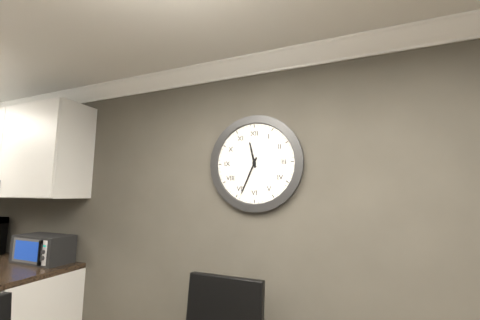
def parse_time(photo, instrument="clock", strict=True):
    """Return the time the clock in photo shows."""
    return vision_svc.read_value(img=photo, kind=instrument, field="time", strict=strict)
11:34
